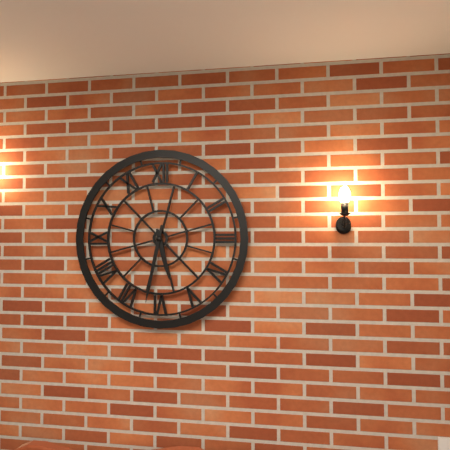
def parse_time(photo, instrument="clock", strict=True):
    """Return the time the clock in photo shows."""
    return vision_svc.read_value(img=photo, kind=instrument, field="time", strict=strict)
5:32
